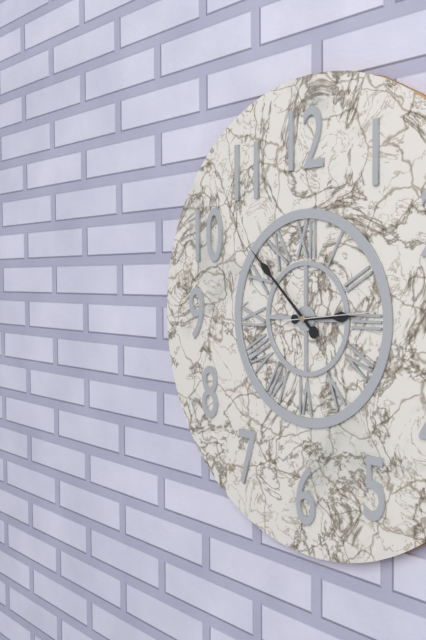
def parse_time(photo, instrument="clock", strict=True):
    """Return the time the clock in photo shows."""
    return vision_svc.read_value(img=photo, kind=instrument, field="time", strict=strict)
2:52:14
